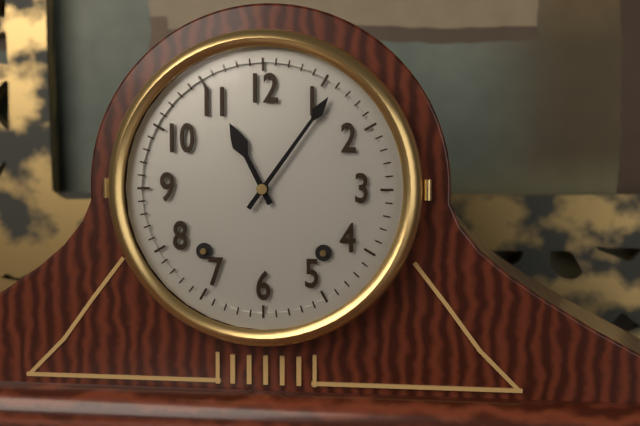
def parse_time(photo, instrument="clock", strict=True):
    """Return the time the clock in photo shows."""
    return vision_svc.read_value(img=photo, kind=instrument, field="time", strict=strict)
11:06
